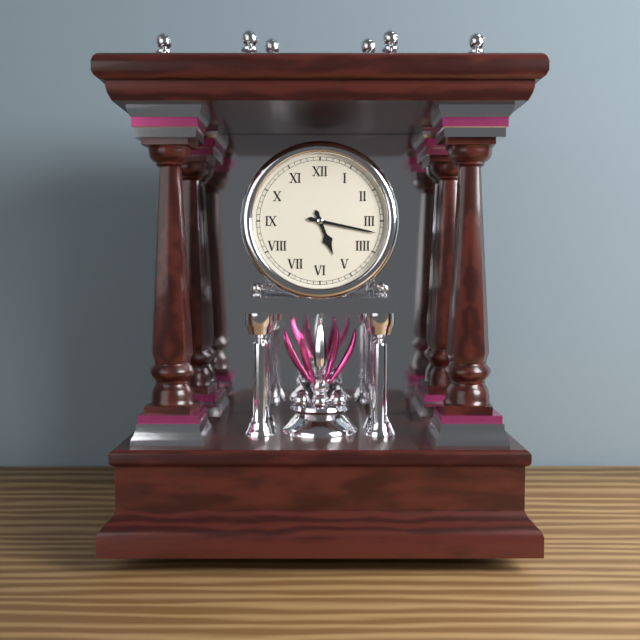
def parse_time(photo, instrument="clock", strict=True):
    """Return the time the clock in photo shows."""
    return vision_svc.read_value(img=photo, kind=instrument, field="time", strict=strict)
5:17
